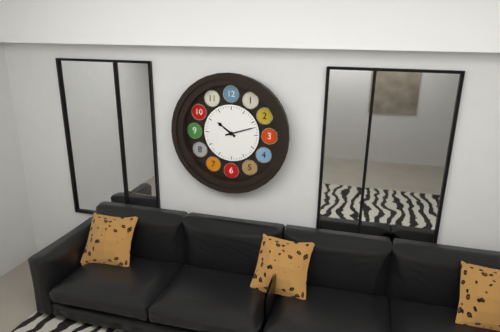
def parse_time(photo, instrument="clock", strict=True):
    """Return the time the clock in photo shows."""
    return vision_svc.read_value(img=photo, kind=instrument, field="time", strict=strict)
10:12
